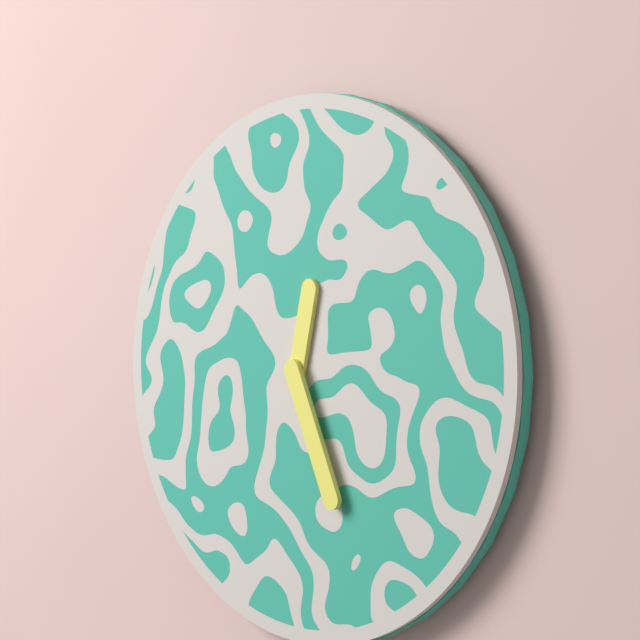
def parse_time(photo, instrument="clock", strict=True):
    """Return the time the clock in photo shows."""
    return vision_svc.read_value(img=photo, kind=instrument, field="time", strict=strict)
12:26
